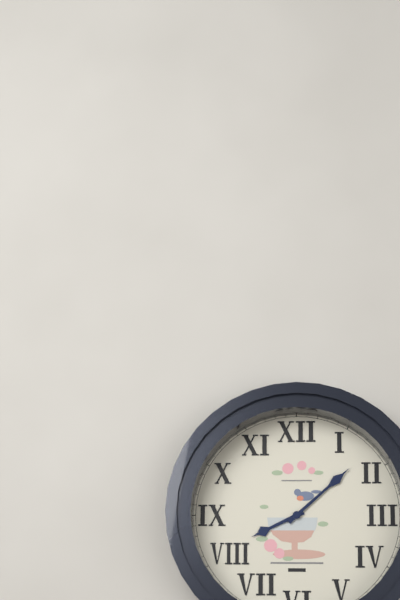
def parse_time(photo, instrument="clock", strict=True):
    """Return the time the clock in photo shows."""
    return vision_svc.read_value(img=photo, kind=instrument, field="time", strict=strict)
8:08
